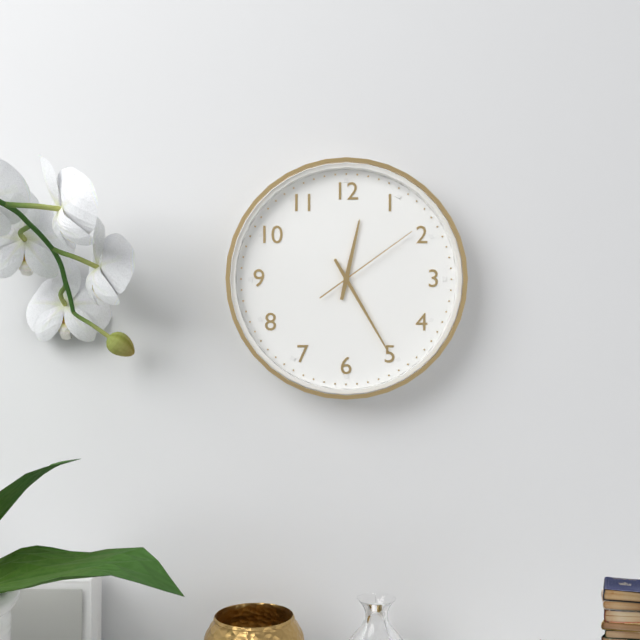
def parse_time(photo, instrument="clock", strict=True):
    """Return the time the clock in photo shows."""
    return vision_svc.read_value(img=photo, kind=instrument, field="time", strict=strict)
12:25:09
